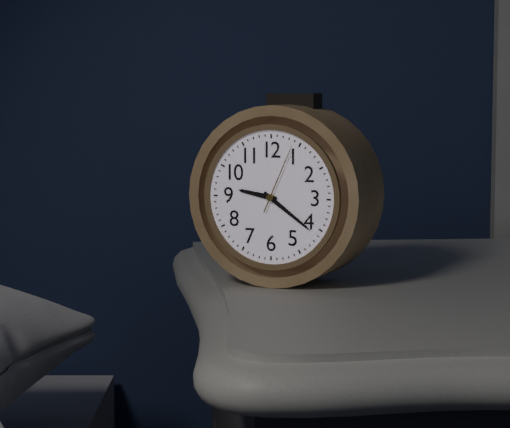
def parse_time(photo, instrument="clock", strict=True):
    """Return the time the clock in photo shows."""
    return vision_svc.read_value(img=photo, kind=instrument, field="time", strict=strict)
9:21:04
